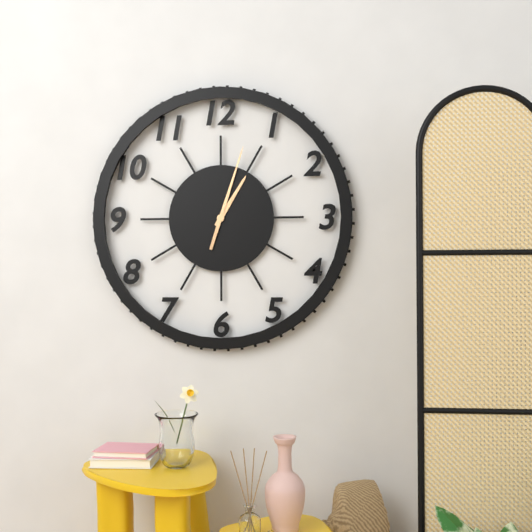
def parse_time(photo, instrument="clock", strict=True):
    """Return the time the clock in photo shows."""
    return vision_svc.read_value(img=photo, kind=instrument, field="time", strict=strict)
1:03
